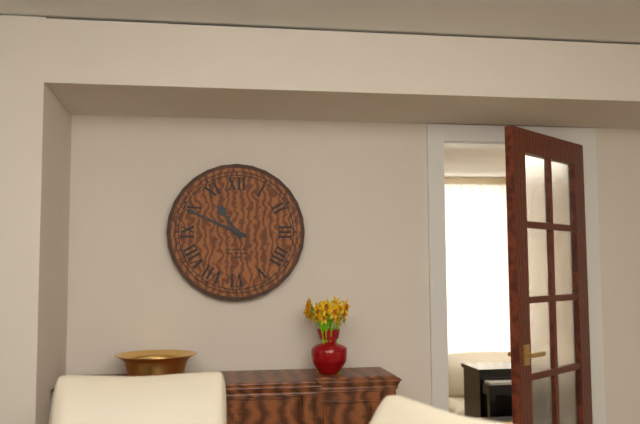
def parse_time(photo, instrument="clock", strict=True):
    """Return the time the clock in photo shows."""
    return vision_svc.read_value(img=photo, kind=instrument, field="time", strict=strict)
10:49
